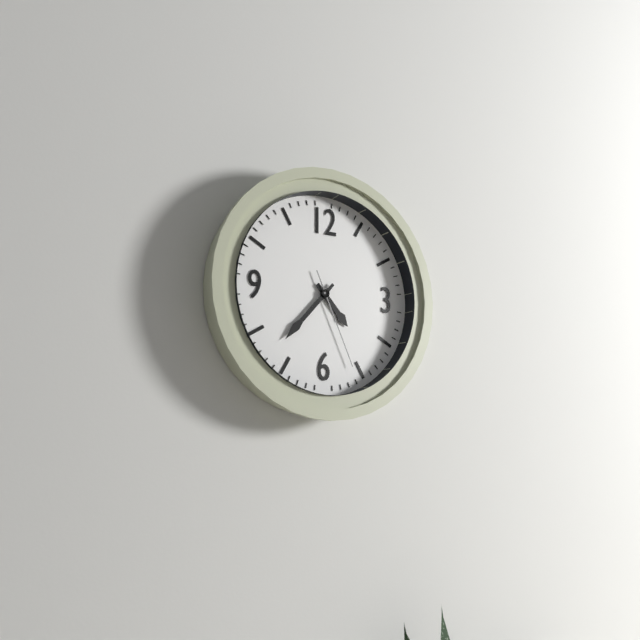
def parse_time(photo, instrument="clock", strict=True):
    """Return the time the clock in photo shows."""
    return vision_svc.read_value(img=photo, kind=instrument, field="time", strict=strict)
4:37:26
